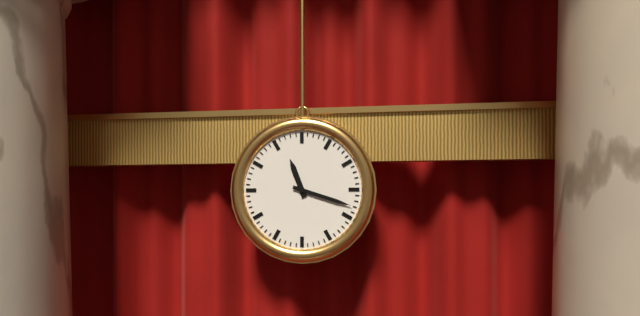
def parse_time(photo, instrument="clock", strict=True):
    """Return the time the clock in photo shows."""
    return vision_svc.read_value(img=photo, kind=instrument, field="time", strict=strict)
11:18
